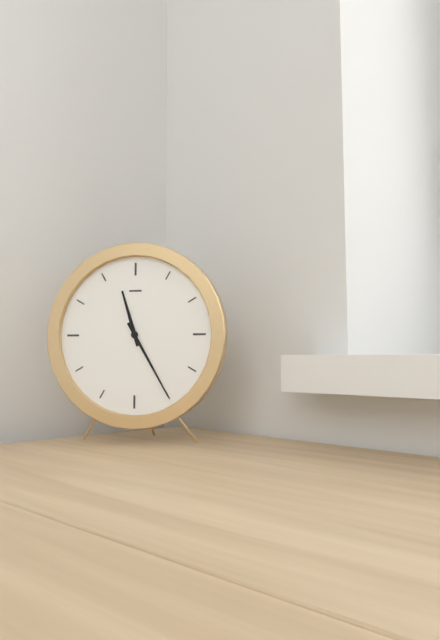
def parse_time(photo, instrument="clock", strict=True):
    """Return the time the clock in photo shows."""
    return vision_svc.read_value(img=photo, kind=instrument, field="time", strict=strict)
11:25
